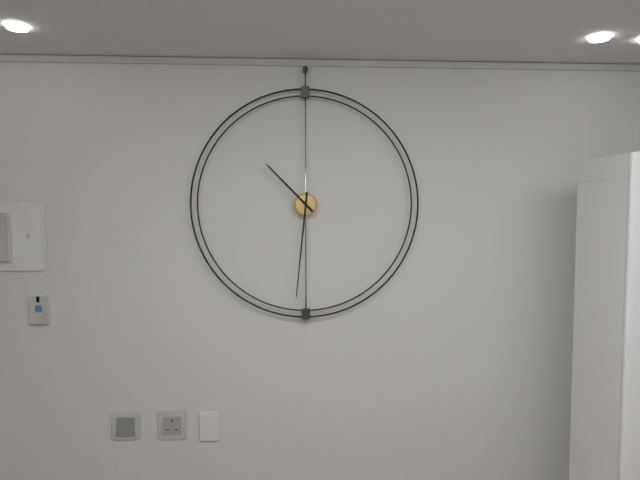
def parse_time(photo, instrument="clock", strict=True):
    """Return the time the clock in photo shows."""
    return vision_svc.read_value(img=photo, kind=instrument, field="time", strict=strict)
10:31
